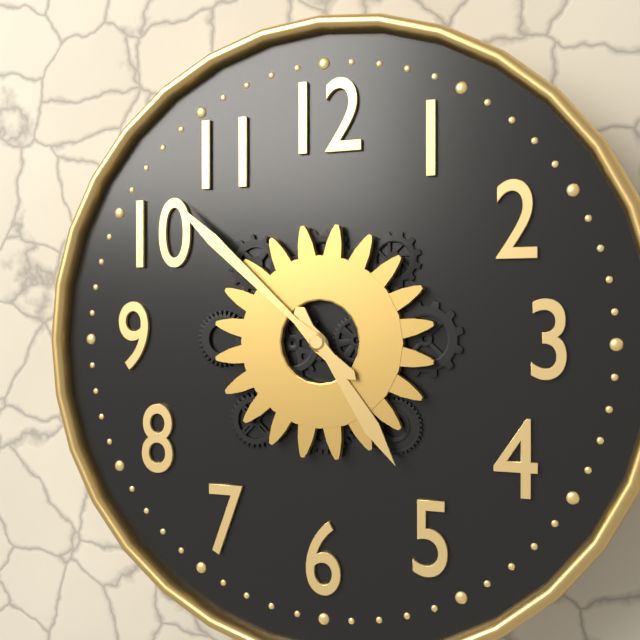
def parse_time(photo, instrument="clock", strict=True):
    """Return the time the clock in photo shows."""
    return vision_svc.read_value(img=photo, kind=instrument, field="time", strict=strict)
4:52
